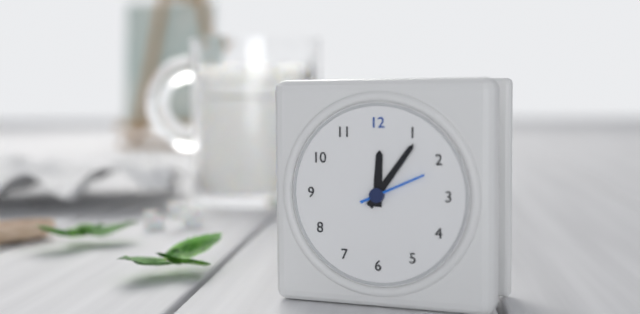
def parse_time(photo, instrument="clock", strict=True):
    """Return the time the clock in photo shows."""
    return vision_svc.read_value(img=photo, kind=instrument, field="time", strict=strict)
12:06
